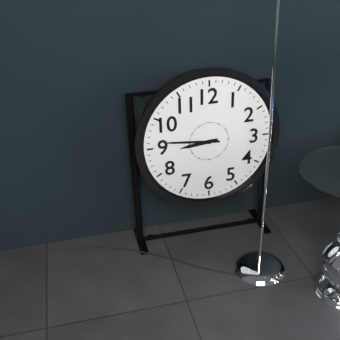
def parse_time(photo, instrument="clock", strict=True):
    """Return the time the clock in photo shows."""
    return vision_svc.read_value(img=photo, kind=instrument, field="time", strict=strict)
8:46
